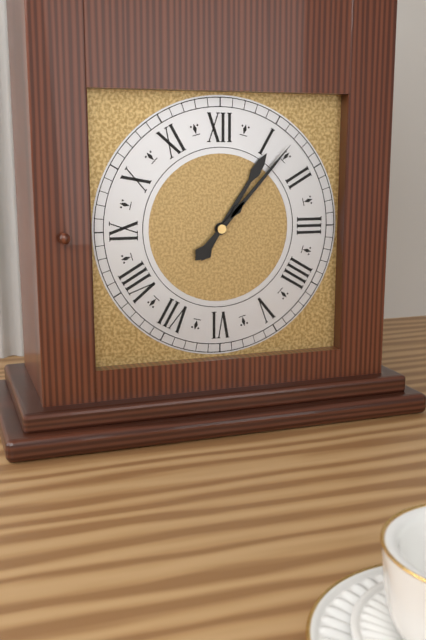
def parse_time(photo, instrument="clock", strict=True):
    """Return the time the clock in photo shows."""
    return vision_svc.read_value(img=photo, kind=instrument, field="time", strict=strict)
1:07
